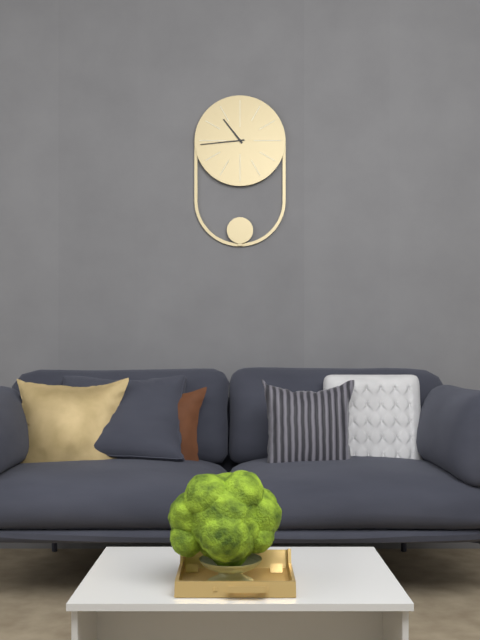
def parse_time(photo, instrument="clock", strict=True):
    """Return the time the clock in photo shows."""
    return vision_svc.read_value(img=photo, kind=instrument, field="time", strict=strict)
10:44
